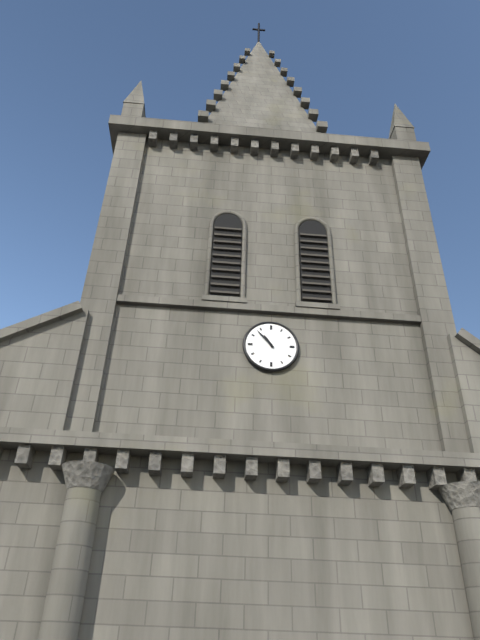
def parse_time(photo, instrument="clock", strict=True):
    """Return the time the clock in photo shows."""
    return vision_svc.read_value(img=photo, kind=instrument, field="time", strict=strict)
10:53
